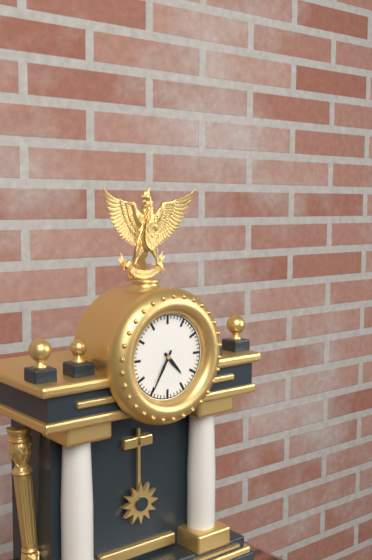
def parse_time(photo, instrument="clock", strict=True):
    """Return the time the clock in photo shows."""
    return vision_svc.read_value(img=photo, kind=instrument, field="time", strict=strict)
4:35
